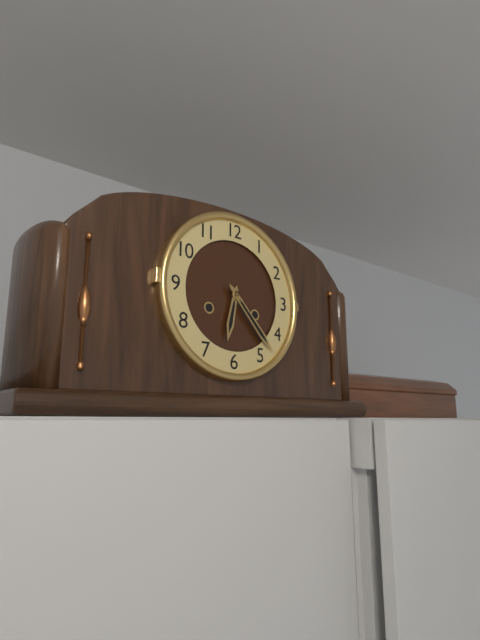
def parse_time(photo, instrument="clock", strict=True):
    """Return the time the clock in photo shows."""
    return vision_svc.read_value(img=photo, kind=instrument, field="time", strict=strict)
6:23
